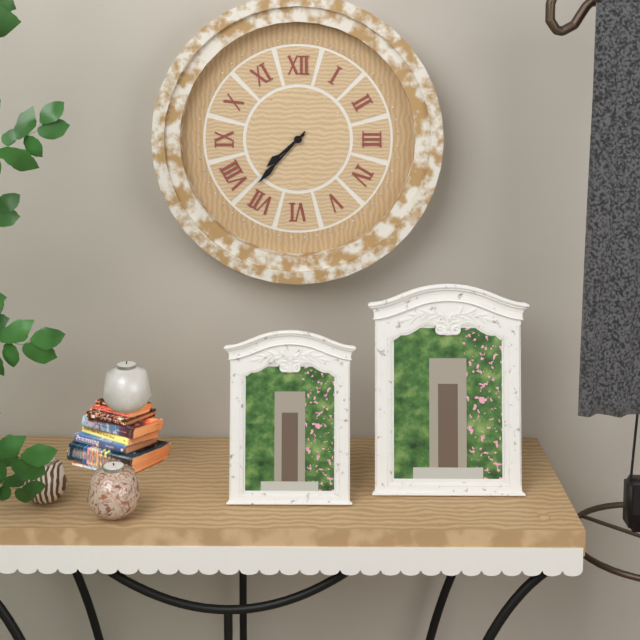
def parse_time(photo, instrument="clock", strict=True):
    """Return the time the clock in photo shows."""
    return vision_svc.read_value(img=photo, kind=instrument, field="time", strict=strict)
7:37
